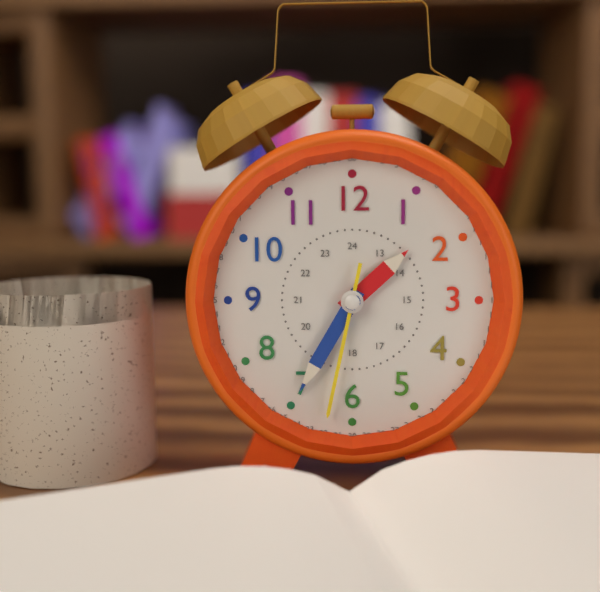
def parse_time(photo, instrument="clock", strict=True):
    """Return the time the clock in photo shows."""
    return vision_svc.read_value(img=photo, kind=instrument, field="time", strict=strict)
1:35:32
